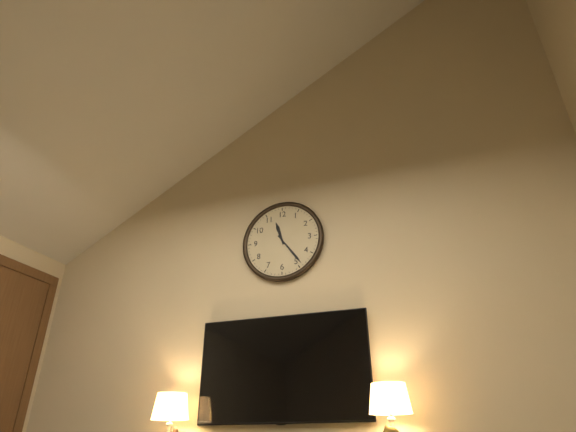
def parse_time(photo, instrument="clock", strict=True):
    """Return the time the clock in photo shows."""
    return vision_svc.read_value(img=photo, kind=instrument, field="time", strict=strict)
11:24
